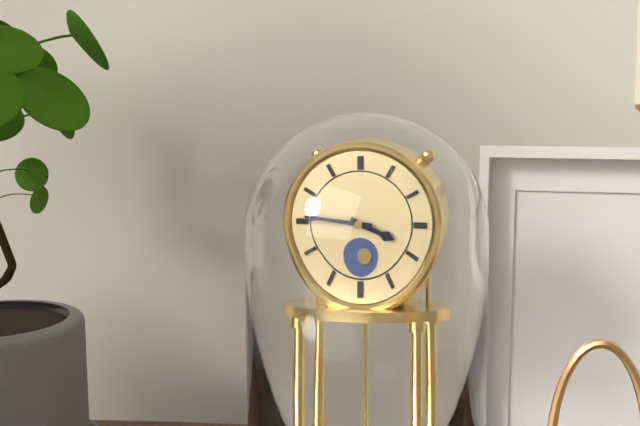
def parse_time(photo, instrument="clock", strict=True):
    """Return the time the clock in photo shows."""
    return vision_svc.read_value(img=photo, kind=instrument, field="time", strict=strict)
3:46
